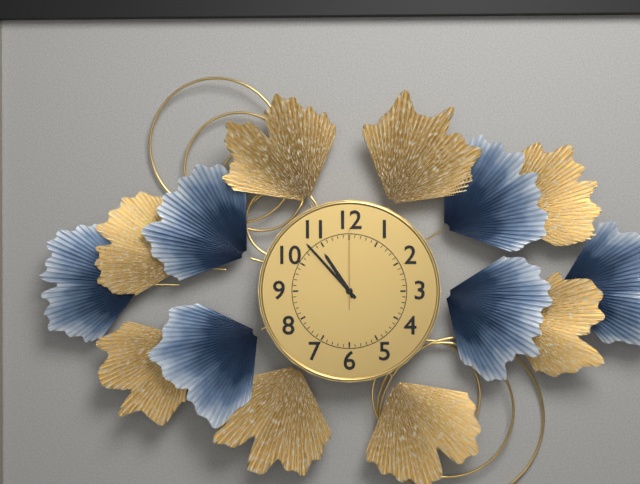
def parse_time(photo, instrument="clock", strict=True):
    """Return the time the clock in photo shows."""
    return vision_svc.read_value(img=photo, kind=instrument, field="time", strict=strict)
10:53:00
